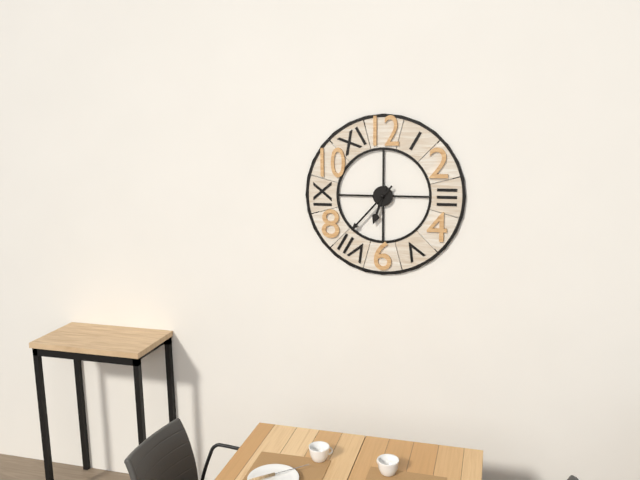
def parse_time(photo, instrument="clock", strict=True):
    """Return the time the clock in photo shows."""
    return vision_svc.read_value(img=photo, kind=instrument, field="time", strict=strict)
6:37
